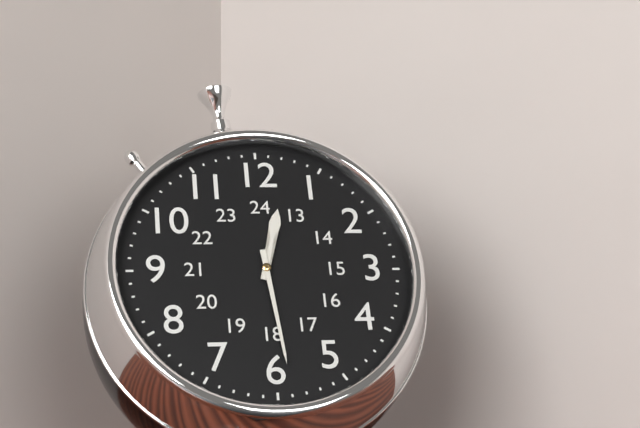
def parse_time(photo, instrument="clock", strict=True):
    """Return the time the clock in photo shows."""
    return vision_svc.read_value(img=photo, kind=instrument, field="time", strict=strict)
12:29
